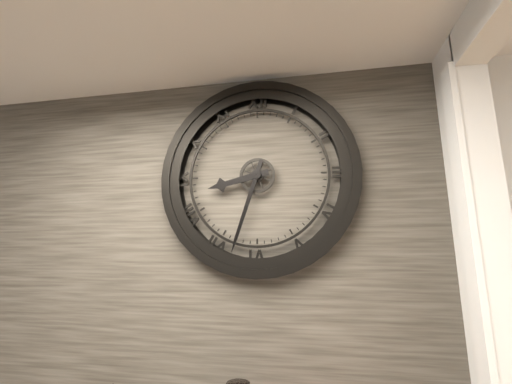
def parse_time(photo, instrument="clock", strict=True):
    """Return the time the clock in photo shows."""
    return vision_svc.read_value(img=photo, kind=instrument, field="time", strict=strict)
8:33
